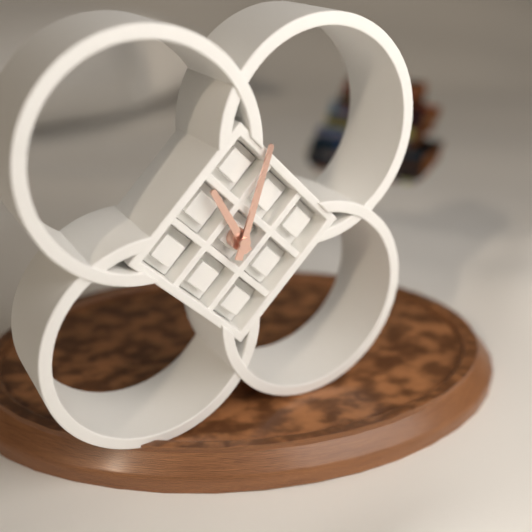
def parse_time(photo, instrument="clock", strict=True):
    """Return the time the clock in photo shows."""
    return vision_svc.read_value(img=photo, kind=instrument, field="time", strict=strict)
11:03
